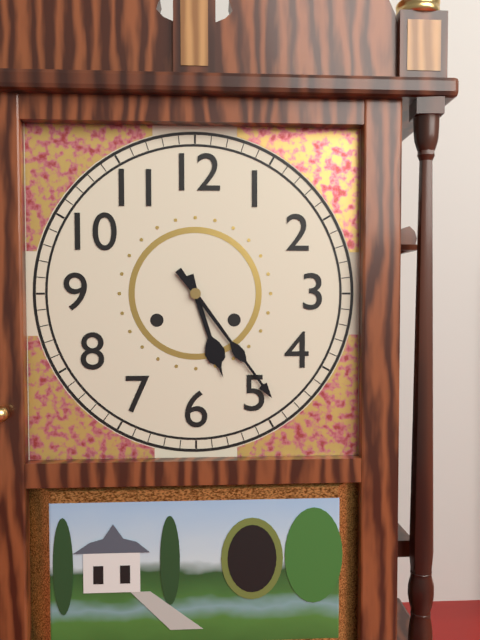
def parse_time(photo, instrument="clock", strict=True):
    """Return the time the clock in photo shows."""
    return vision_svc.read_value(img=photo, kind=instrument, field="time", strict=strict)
5:24
